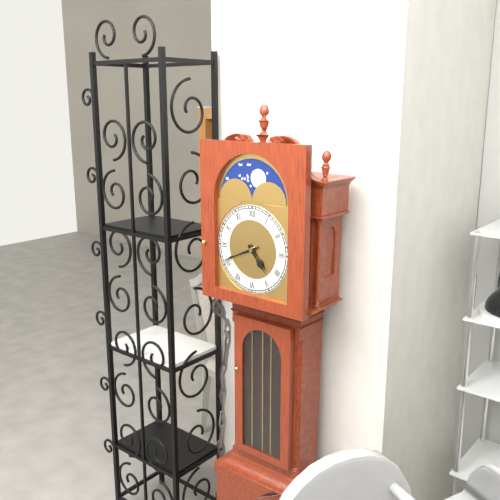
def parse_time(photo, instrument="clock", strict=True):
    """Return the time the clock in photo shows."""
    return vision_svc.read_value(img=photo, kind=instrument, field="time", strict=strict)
4:41
